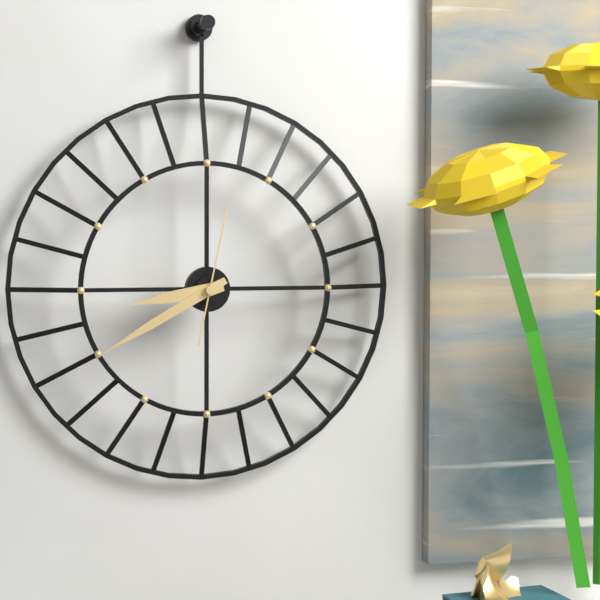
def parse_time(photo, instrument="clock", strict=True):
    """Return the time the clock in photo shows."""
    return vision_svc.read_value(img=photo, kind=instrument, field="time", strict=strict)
8:40:02
